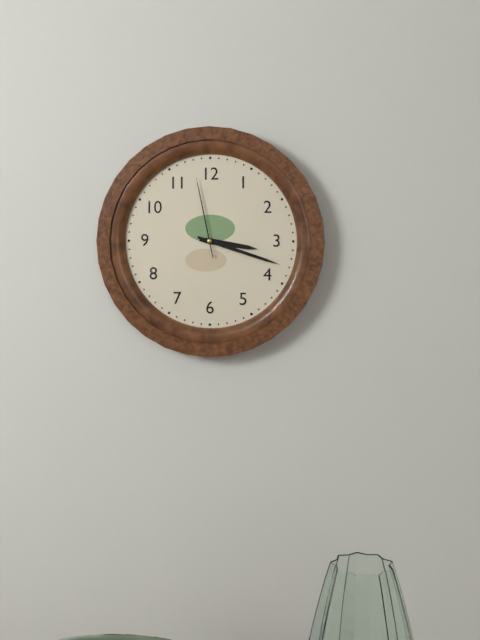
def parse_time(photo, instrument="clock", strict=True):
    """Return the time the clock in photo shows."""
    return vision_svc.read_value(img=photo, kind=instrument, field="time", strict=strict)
3:18:58
